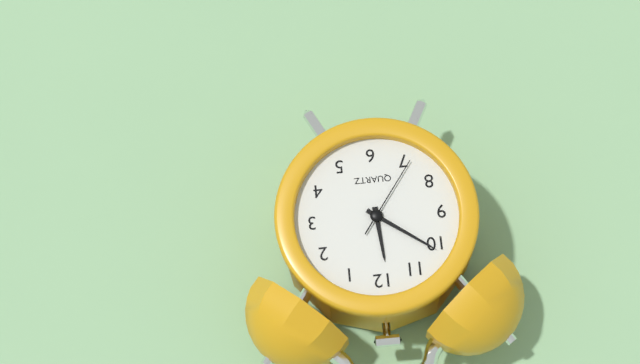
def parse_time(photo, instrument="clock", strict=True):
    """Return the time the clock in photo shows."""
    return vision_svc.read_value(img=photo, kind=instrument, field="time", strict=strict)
11:51:36
